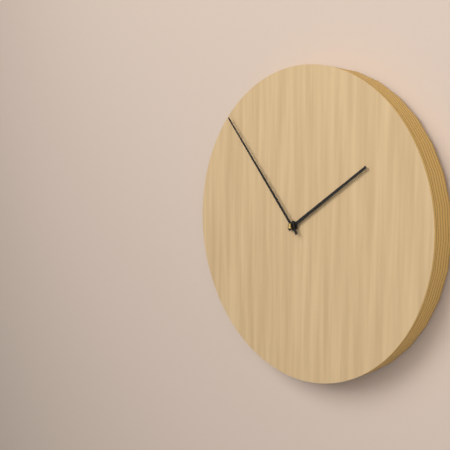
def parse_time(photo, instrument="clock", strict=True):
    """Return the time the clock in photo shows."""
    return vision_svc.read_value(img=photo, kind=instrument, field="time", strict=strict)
1:53
